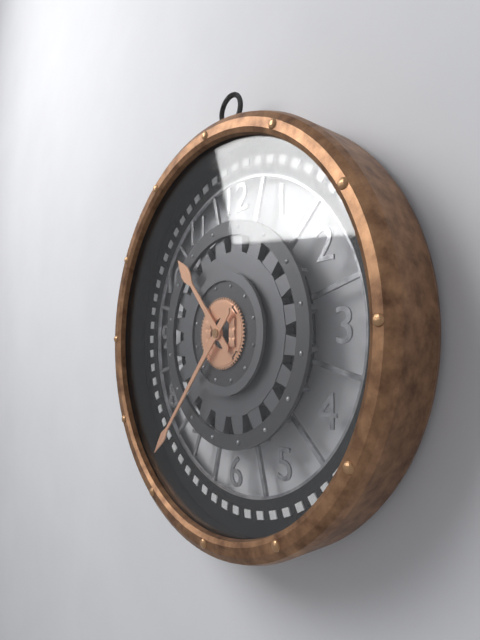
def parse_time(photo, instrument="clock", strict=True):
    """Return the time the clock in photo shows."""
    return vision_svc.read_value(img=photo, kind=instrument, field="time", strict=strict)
10:37
